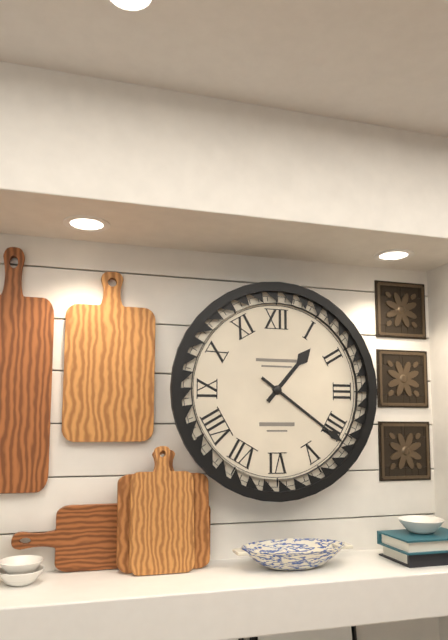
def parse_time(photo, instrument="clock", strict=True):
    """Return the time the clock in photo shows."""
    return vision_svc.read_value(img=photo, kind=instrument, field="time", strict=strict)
1:21
